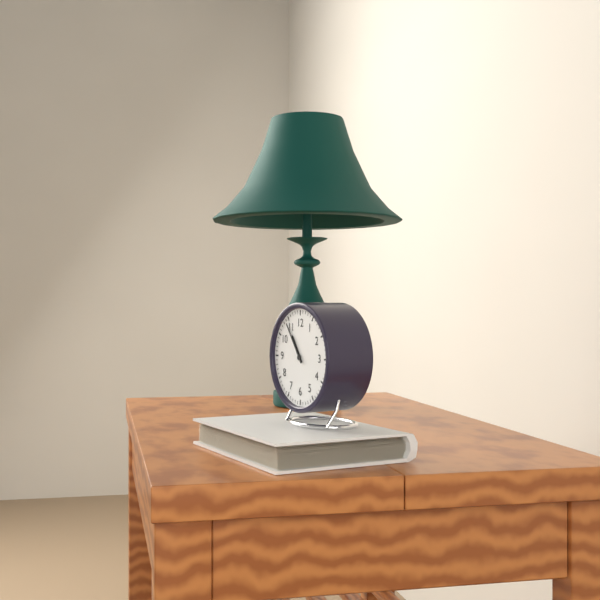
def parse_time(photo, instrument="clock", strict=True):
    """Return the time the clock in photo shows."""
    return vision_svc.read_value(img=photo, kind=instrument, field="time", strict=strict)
10:54
